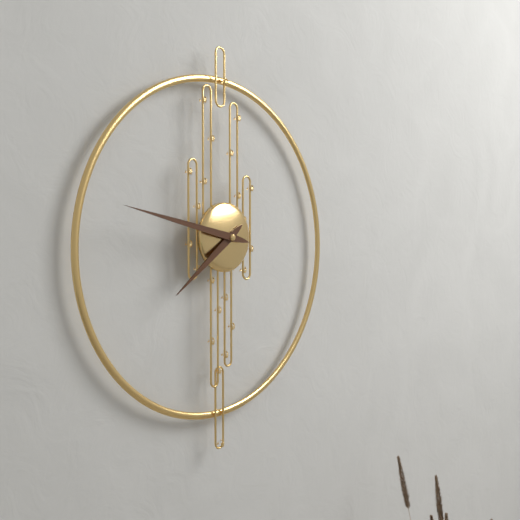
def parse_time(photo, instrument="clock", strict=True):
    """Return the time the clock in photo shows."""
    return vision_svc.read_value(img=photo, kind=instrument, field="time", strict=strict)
7:47
